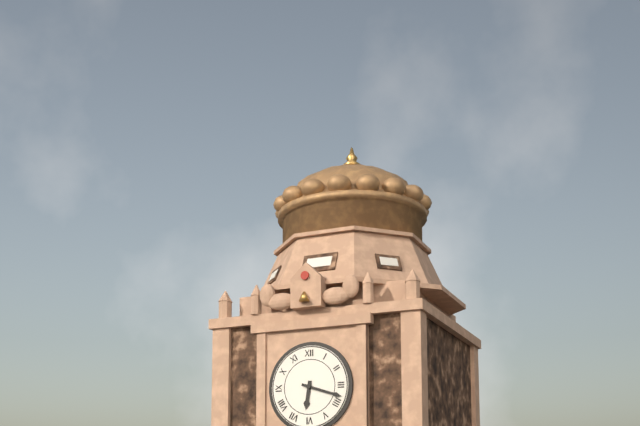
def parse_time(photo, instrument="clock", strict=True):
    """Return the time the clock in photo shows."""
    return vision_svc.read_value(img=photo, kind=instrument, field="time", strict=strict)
6:18
